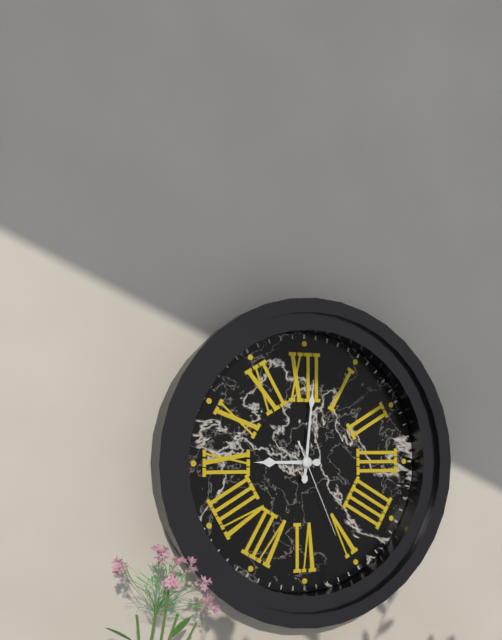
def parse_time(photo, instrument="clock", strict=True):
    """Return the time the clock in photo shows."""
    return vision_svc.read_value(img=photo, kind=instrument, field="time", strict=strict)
9:01:26
